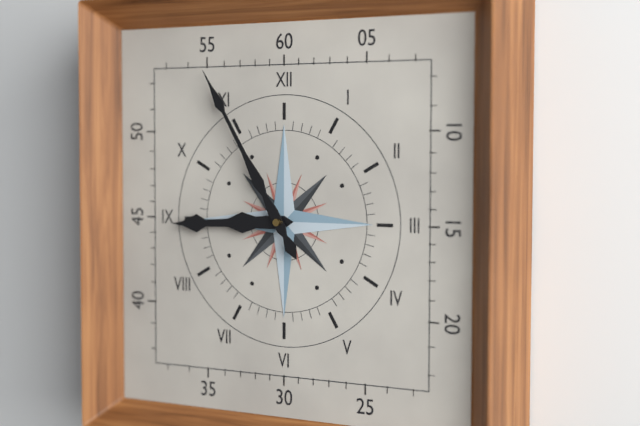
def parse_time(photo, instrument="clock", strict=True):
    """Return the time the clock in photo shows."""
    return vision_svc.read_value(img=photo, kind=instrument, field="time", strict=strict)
8:55
